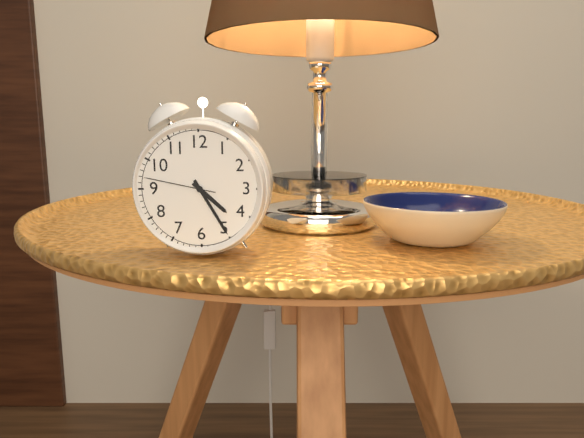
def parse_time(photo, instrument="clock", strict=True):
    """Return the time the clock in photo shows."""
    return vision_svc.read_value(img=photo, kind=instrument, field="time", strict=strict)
4:25:47
